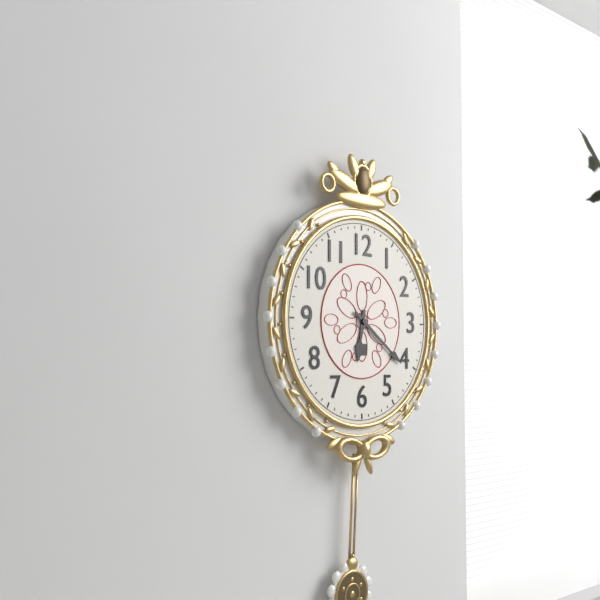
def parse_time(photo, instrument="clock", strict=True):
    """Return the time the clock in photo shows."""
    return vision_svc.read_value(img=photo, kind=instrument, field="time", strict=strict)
6:21
